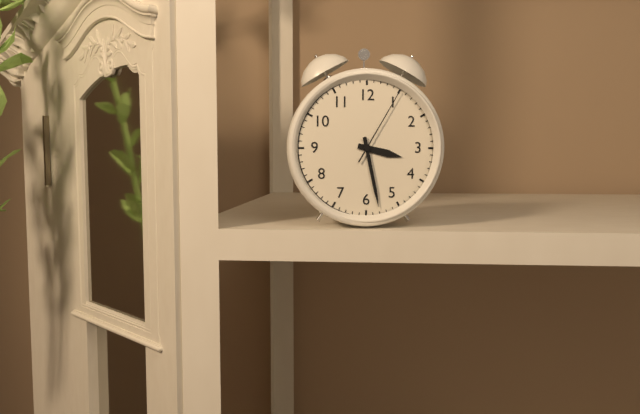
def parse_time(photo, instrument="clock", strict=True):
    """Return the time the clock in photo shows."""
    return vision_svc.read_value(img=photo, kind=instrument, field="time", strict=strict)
3:28:05
